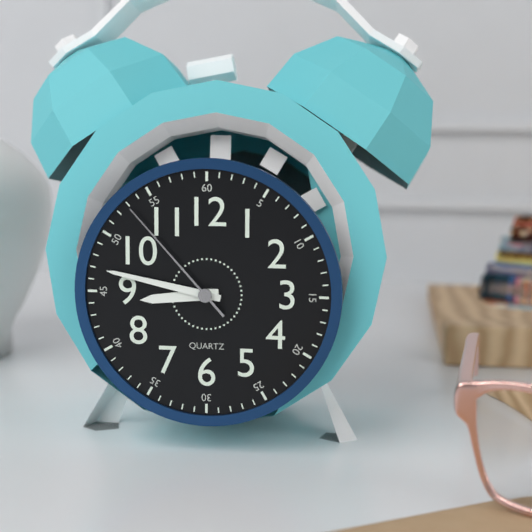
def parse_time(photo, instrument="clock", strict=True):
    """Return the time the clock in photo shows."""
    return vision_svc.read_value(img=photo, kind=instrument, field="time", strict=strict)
8:47:53
